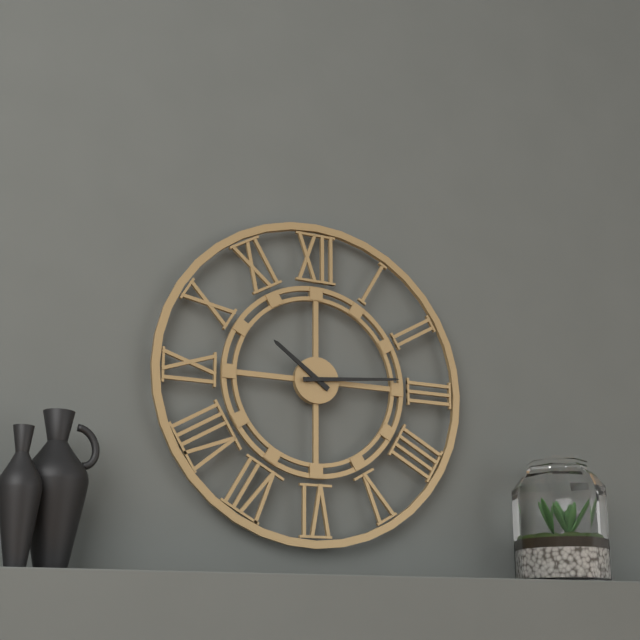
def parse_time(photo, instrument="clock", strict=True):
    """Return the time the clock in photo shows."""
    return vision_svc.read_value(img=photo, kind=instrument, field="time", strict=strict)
10:14
